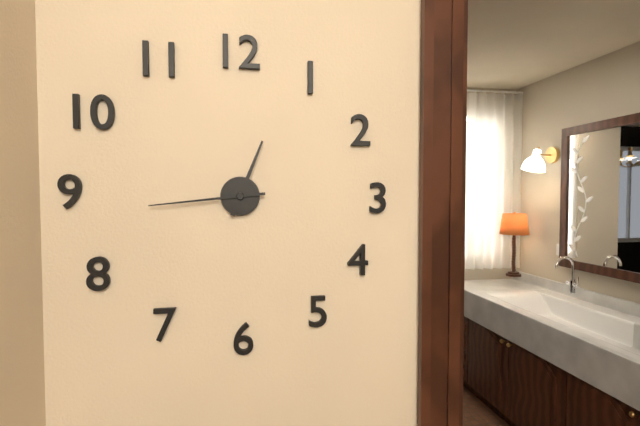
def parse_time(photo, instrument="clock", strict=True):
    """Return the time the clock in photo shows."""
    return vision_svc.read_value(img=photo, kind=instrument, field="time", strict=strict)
12:44
